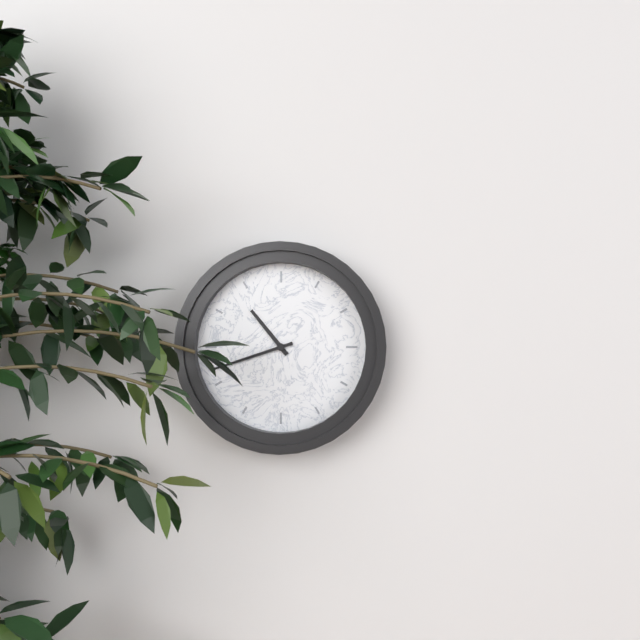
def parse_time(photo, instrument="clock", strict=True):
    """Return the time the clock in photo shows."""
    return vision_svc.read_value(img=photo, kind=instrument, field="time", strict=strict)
10:42
